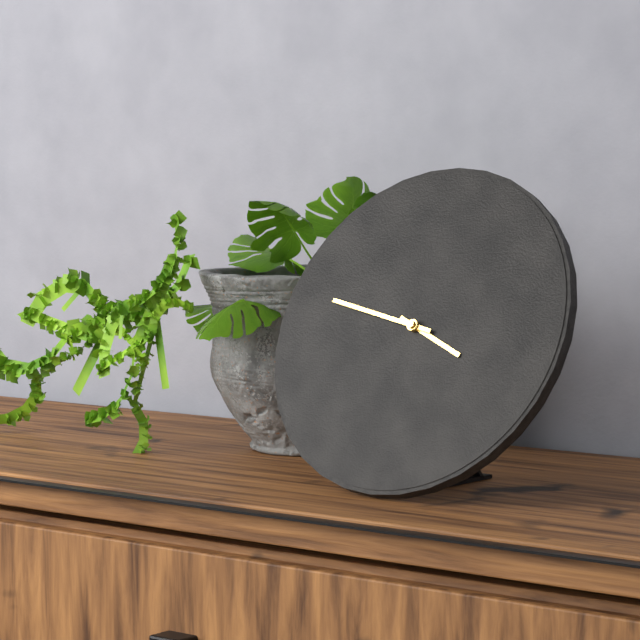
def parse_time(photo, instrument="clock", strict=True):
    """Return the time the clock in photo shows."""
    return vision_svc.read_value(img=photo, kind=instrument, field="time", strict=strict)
3:47
